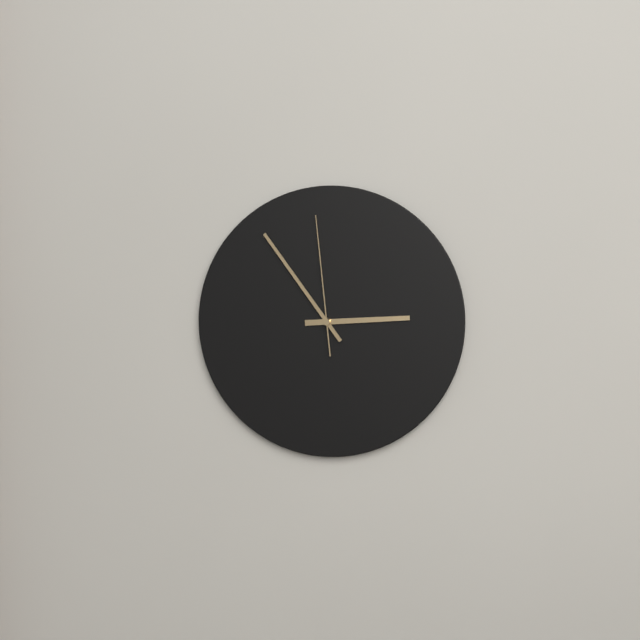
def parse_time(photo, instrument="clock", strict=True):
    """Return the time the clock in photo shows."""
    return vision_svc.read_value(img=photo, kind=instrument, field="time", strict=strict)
2:54:59
